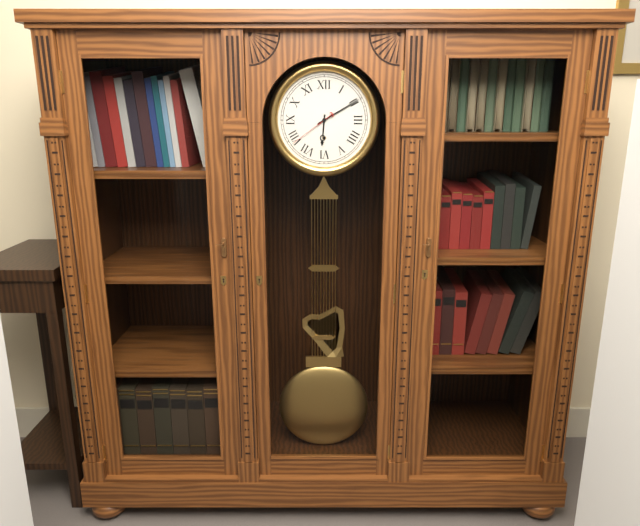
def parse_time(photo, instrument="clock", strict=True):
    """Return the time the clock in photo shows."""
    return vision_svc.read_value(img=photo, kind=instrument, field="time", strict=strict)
6:10
